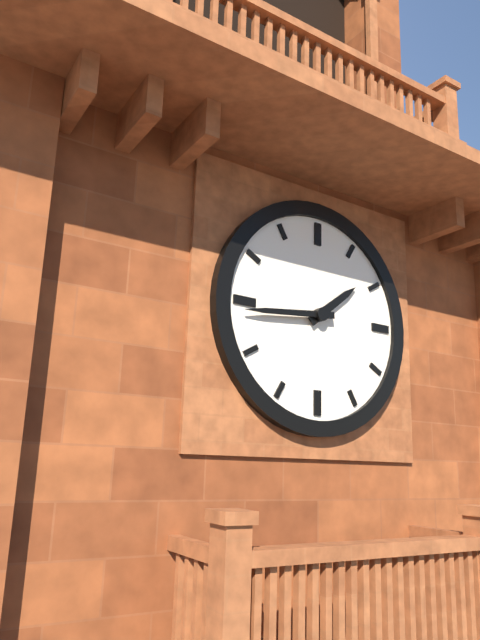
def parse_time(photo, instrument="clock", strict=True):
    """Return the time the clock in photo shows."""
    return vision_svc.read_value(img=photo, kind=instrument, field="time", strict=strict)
1:44
